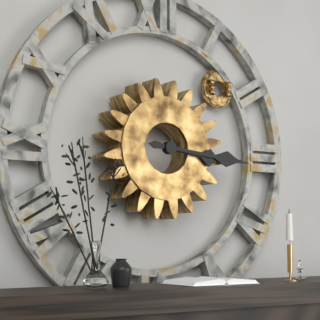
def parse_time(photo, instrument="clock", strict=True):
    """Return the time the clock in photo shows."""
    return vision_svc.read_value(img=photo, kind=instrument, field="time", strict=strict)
3:16
